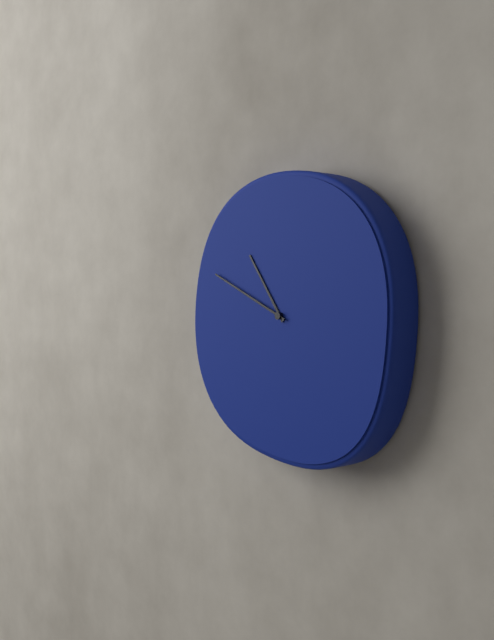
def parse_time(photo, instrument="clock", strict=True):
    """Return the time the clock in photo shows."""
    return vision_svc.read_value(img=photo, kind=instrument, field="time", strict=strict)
10:49
